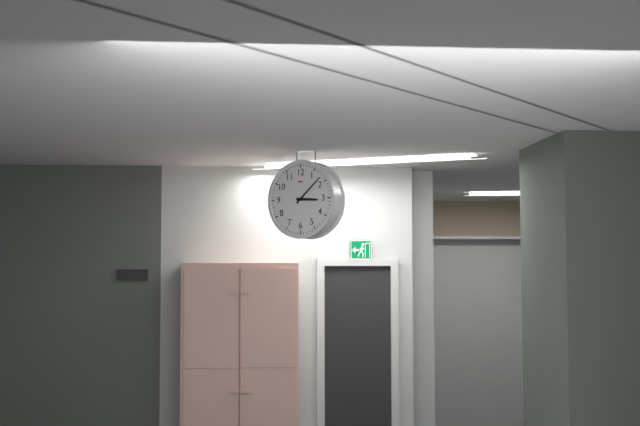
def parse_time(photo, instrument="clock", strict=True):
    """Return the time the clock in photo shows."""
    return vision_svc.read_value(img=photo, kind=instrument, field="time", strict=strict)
3:08
